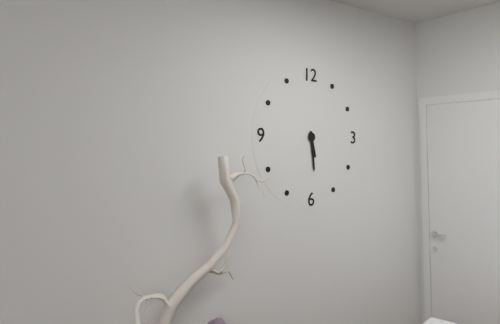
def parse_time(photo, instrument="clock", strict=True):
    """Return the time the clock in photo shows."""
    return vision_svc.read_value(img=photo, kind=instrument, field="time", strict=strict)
5:29
